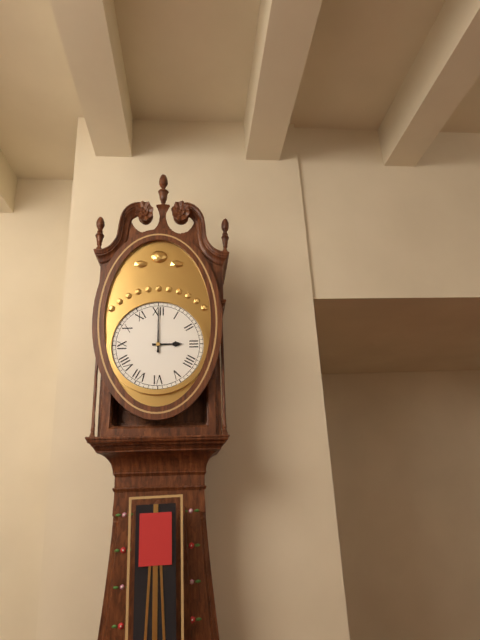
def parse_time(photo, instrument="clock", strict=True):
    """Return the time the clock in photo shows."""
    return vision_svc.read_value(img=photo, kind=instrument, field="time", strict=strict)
3:00
